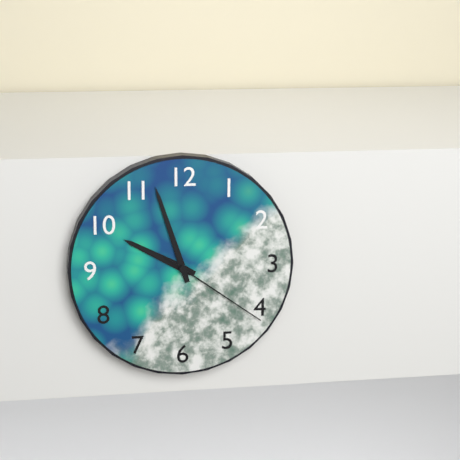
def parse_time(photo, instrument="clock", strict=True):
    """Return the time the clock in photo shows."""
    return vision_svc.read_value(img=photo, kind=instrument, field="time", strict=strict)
9:57:21
